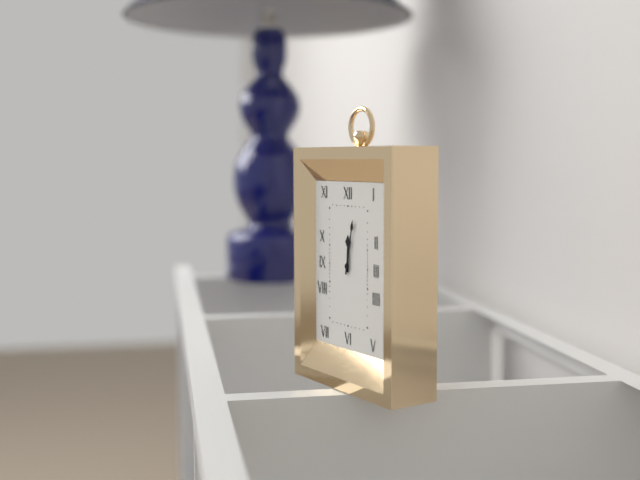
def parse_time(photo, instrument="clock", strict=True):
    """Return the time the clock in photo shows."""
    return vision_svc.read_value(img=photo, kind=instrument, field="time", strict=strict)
12:02
